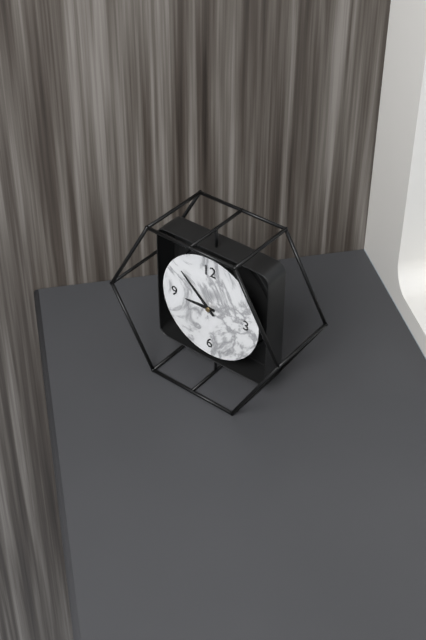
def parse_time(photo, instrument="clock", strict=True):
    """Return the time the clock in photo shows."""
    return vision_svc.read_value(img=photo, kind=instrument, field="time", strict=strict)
8:52
